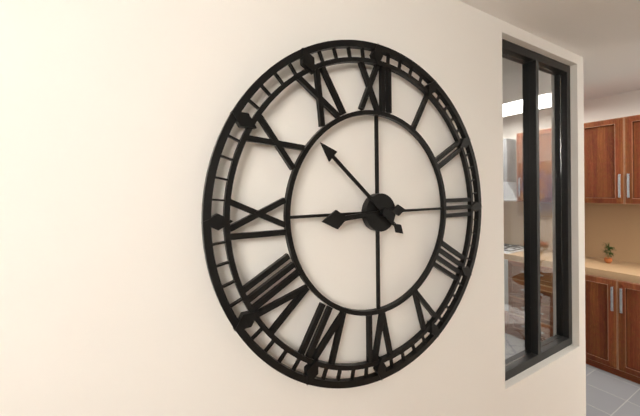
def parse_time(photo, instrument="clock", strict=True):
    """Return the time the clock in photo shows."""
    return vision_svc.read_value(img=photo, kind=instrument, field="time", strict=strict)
8:52
